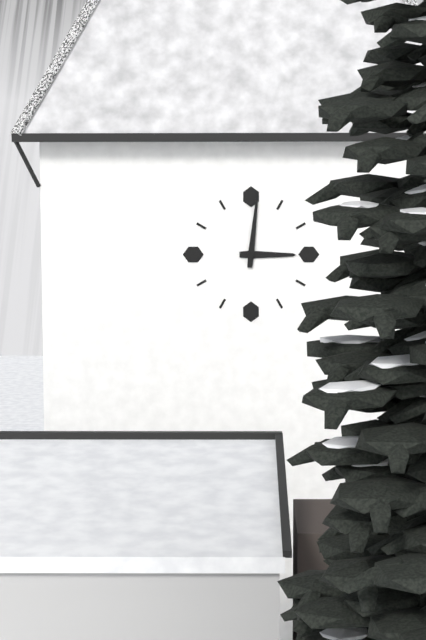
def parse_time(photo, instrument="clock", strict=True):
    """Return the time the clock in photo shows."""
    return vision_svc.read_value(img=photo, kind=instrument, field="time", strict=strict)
3:01
